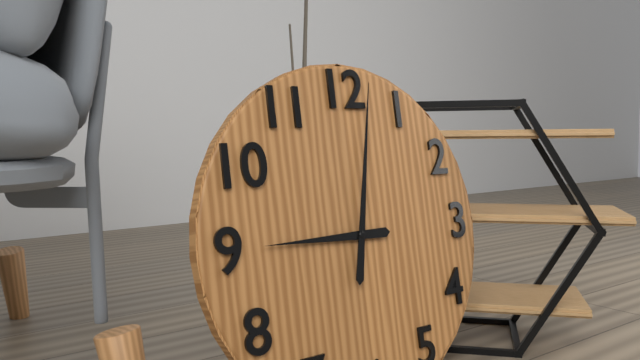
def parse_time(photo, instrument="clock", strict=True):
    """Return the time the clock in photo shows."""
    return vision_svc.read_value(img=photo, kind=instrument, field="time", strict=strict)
9:02
